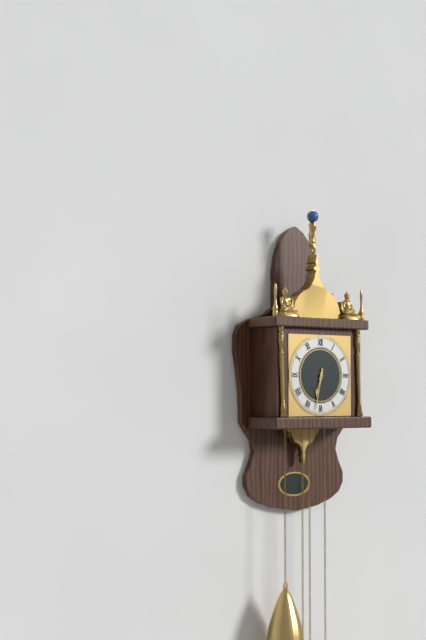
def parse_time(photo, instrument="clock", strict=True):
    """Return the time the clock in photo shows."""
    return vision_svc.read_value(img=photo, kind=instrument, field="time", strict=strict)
6:32
